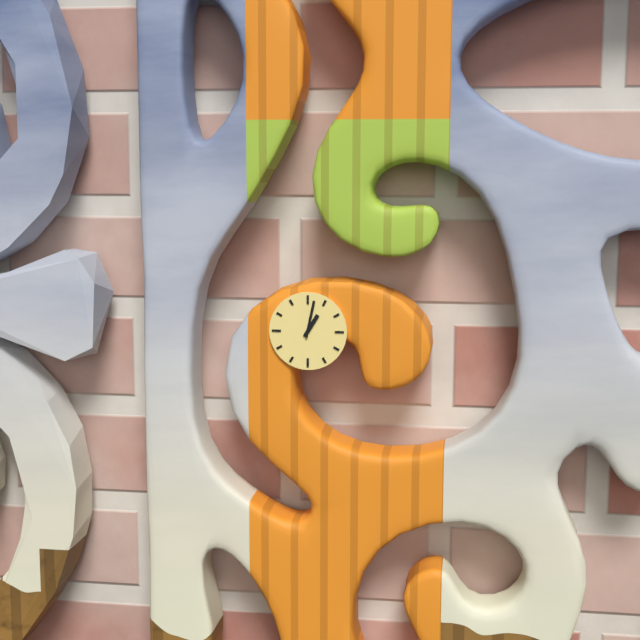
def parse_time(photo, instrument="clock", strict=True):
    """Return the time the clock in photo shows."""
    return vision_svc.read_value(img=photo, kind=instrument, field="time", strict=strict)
1:02
